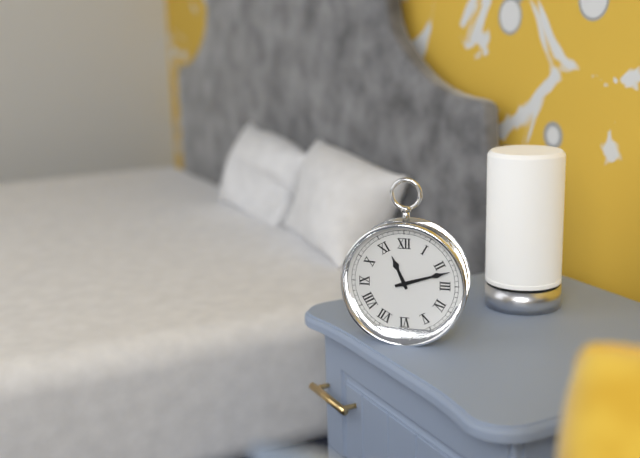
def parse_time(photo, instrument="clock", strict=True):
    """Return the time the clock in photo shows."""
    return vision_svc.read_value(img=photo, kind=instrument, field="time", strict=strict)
11:12
